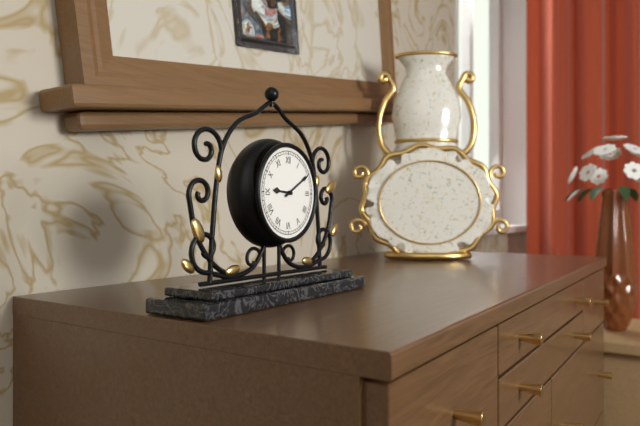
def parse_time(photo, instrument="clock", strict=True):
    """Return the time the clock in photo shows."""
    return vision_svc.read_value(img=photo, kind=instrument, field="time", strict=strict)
9:10
